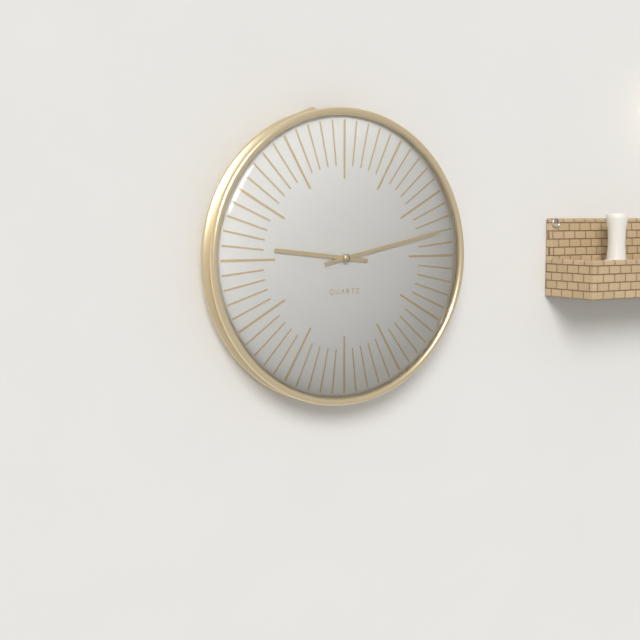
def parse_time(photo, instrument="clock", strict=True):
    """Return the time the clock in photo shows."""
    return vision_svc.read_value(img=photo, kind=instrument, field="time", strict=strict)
9:13
